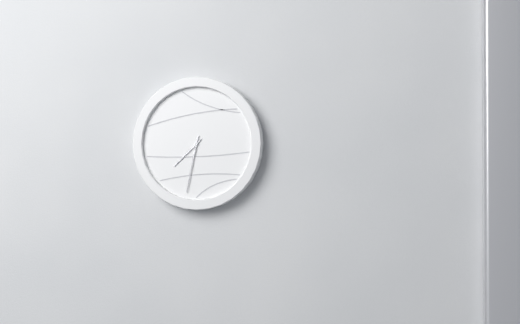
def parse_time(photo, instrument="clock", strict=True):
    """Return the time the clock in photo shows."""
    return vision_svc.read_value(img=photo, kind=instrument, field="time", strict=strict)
7:32
